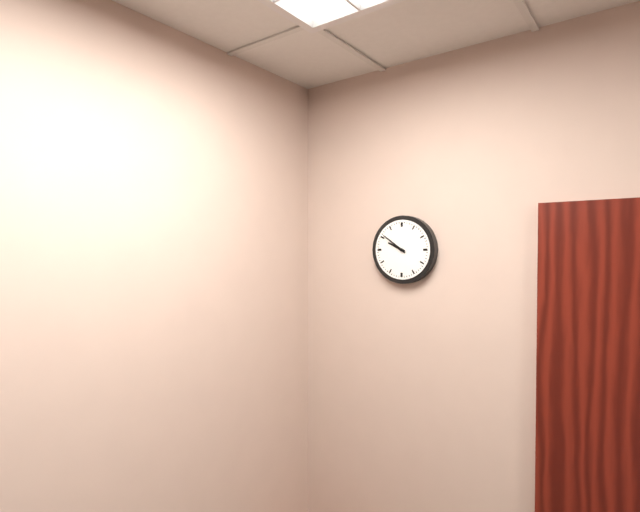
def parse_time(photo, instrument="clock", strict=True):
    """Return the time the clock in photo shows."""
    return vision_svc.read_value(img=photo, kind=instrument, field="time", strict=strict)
9:51
